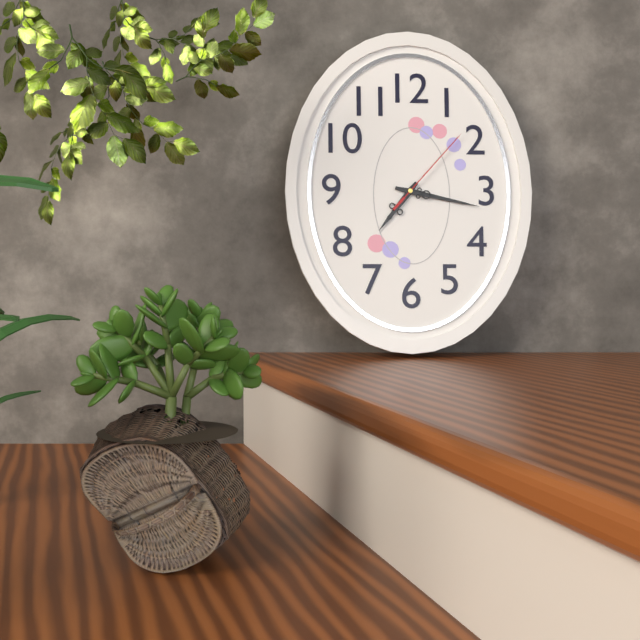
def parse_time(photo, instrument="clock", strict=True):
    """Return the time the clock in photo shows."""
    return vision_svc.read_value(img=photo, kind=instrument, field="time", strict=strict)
7:17:07
